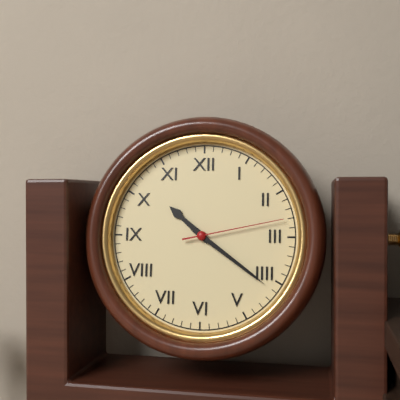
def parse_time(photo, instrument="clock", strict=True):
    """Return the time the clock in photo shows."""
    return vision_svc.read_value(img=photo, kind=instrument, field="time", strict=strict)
10:21:13
